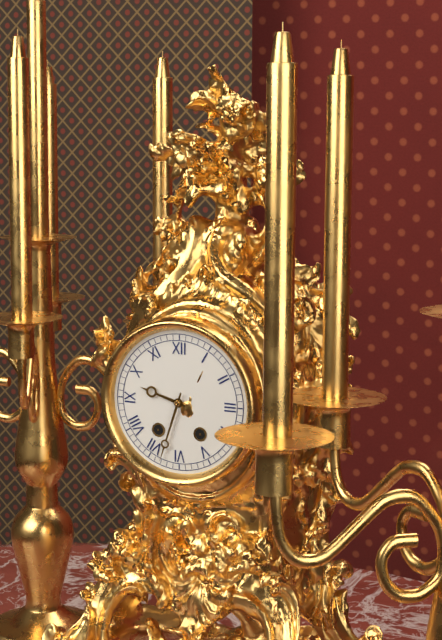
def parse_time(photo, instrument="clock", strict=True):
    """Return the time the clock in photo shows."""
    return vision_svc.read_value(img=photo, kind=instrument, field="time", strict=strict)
9:33
